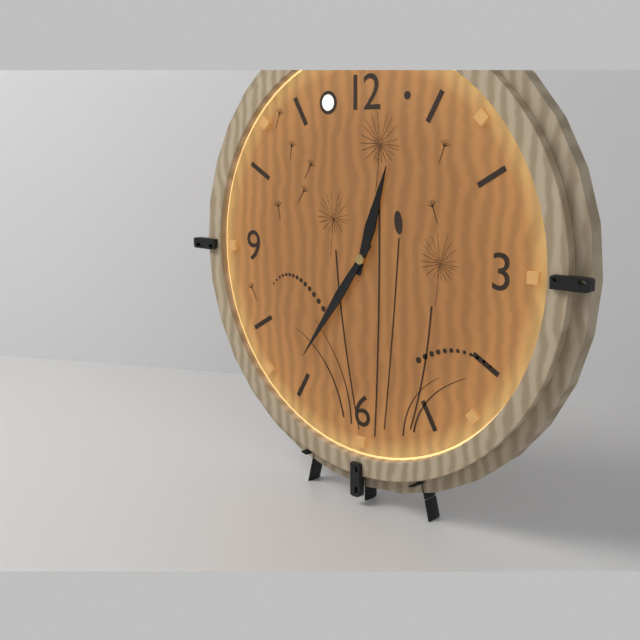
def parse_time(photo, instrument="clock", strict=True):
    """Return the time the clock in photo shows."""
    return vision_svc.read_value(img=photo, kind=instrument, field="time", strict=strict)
12:36
